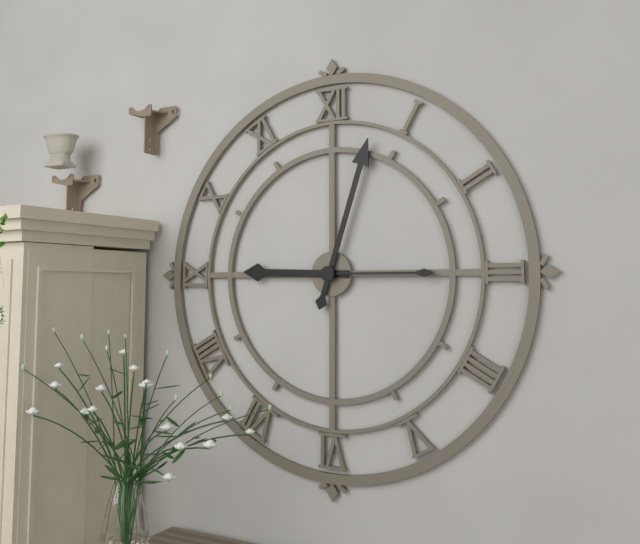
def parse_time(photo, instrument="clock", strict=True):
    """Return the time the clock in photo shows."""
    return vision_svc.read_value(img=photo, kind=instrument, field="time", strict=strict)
9:03:15
